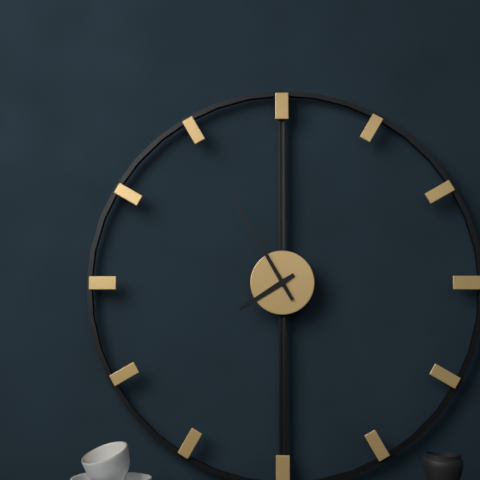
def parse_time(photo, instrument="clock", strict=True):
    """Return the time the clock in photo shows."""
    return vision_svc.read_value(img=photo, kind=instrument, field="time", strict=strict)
7:55
